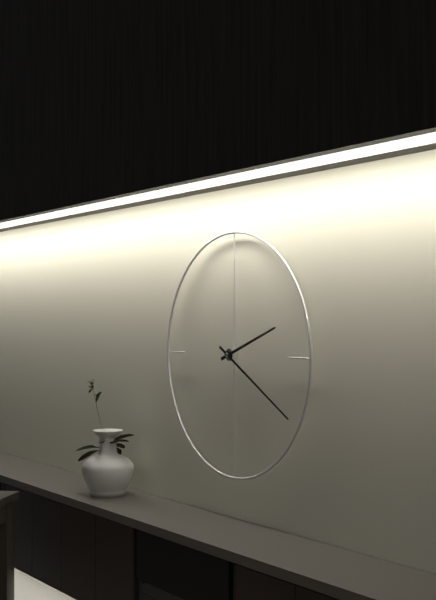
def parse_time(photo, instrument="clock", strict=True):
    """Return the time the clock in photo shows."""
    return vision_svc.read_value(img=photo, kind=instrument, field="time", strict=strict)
2:20
